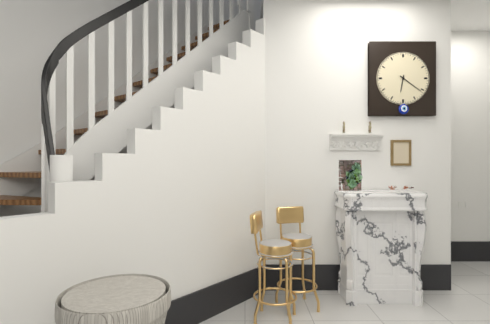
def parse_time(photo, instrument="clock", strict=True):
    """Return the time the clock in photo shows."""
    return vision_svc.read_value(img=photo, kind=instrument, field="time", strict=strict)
6:21
